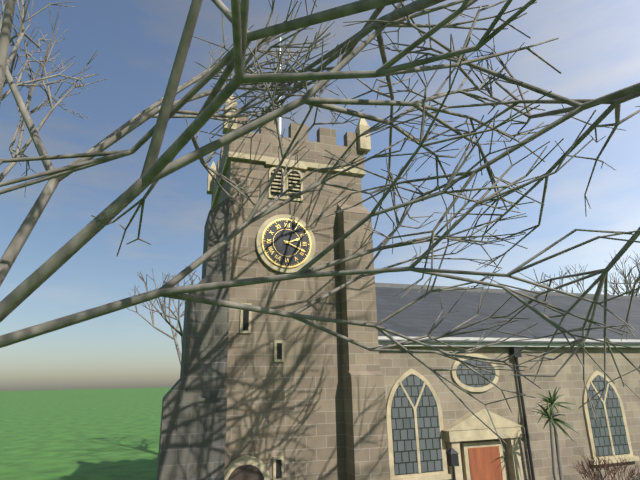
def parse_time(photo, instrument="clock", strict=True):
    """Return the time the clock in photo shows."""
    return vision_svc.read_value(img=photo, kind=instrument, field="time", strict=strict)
2:19
